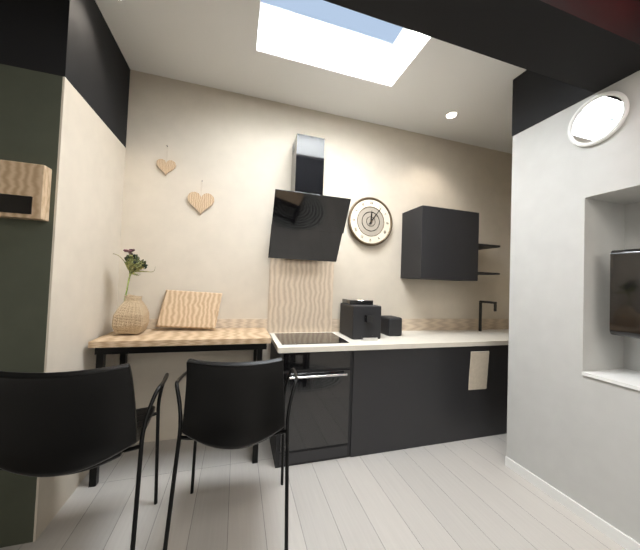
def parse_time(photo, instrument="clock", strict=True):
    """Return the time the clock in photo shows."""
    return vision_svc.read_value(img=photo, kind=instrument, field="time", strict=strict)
12:06
